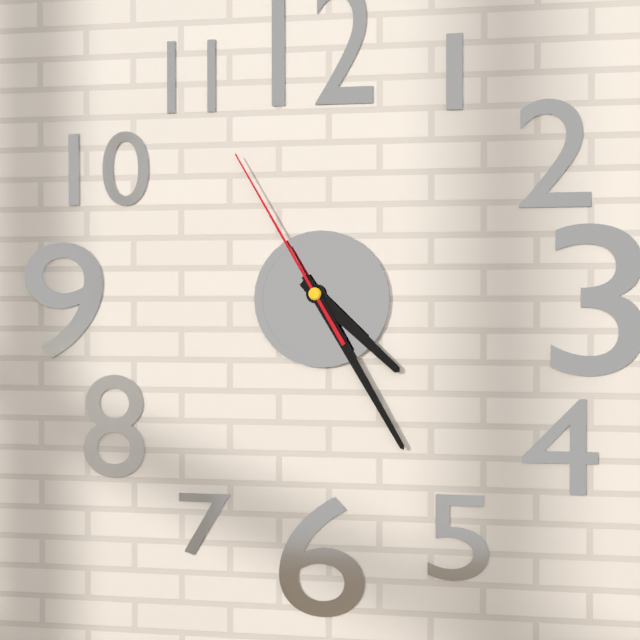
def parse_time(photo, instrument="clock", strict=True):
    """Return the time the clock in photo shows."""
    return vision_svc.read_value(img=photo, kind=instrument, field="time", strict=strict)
4:25:55
